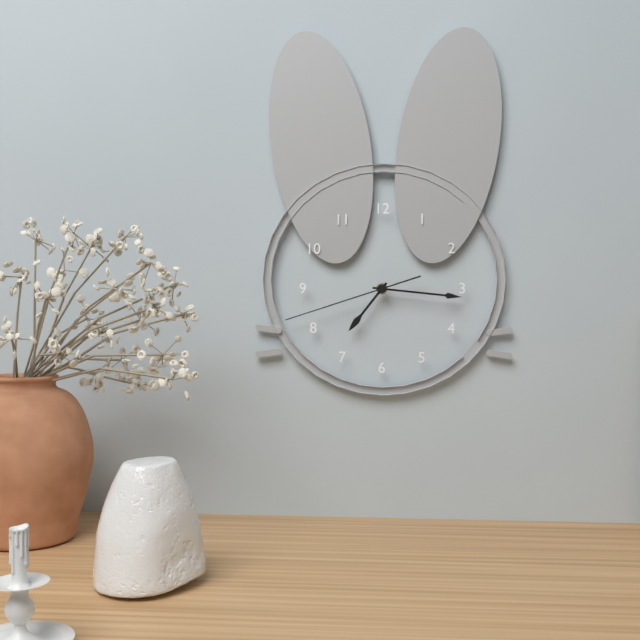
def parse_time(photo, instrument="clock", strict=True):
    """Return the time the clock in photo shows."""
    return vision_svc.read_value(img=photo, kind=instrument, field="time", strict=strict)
7:16:42
